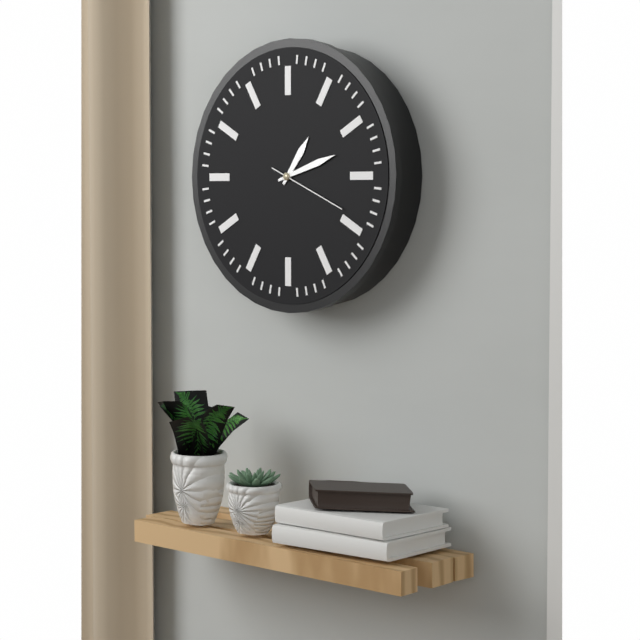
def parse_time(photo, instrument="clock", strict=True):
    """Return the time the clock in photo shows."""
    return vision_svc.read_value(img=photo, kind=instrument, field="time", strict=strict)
1:12
